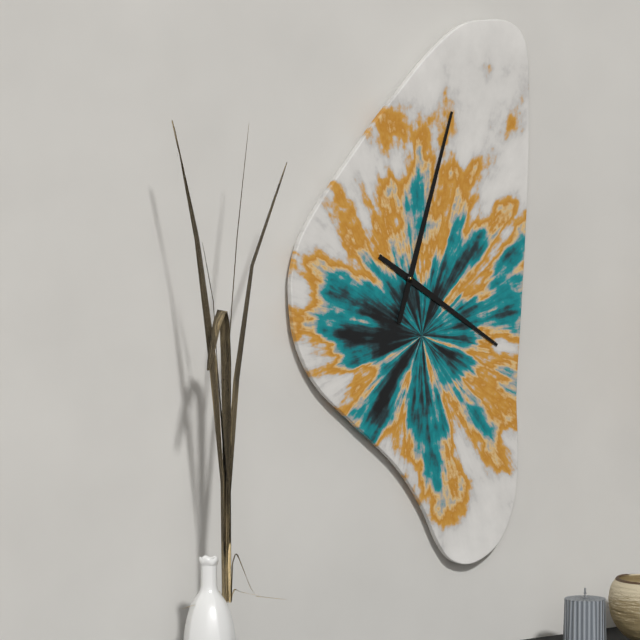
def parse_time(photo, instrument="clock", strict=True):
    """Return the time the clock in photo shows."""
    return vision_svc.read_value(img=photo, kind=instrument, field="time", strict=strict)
4:03
